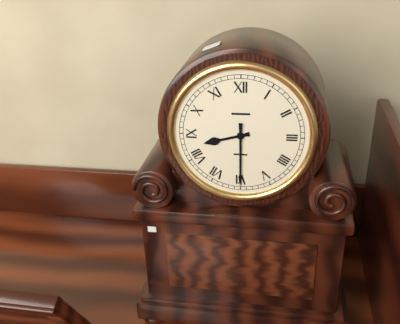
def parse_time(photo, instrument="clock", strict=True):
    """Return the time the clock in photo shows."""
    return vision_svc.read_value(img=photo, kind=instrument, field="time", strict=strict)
8:30
